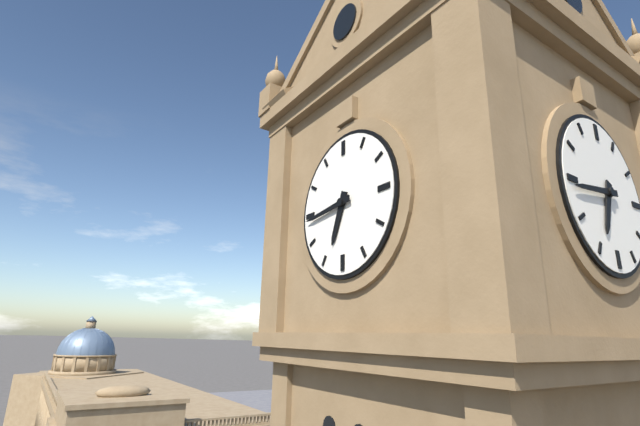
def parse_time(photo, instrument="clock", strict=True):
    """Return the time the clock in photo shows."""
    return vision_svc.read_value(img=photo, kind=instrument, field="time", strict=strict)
6:44
